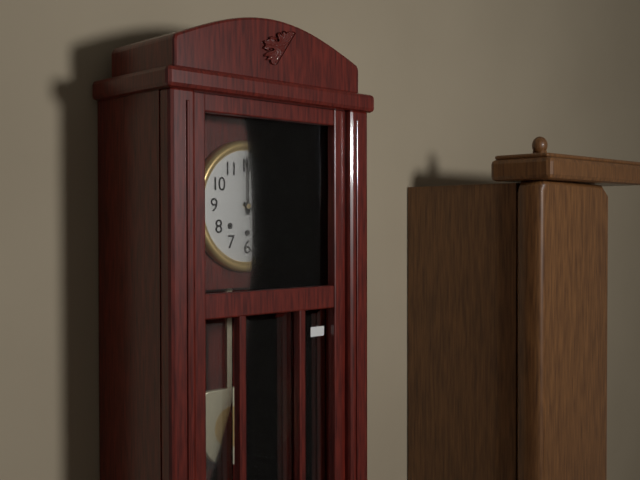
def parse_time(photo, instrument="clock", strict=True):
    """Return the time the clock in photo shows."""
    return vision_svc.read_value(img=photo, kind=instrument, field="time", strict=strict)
4:00
